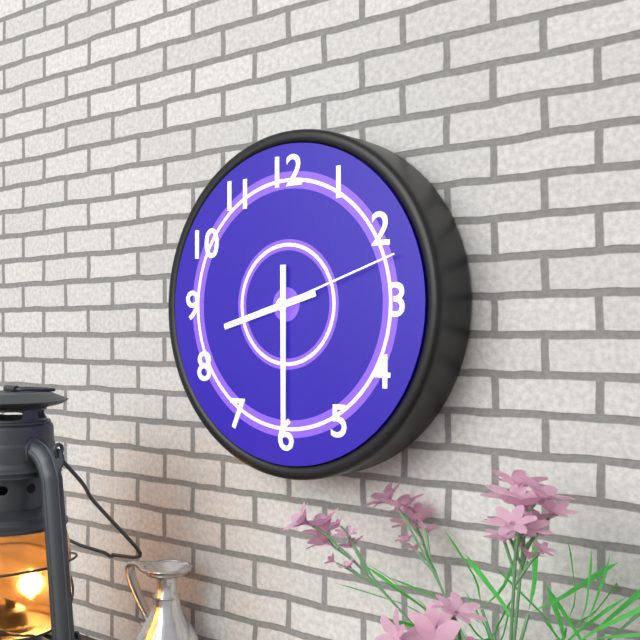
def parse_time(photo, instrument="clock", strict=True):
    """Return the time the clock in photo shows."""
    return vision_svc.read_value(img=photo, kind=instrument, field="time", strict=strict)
8:30:12
